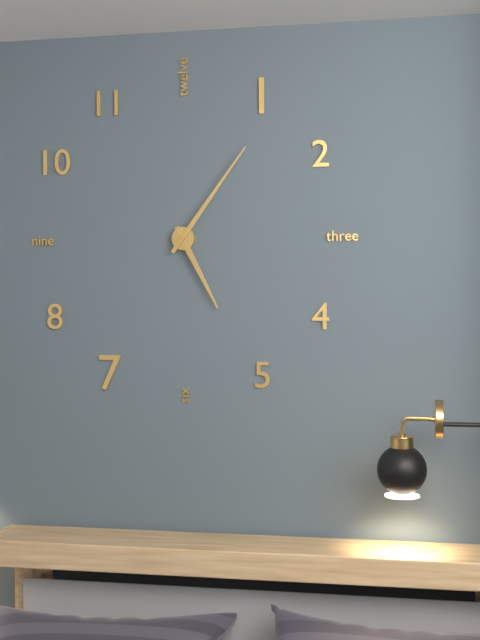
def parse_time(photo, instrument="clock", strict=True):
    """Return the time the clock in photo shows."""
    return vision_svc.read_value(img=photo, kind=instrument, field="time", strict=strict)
5:06
